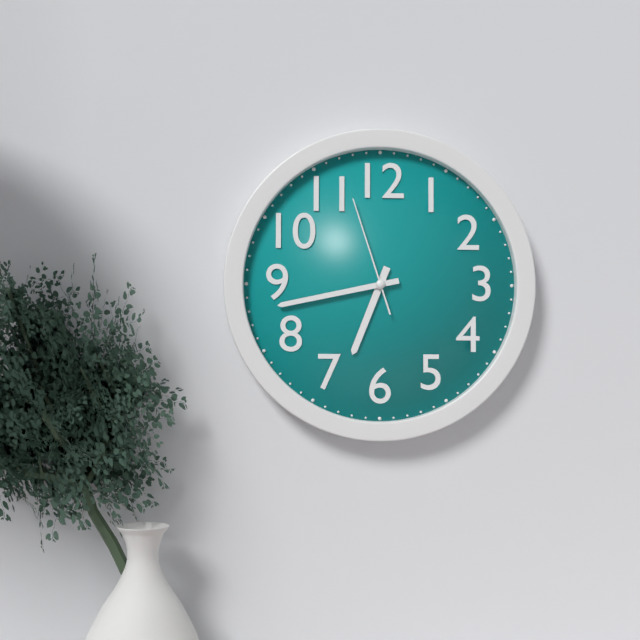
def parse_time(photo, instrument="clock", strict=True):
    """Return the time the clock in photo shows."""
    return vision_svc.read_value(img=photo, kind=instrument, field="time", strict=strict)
6:43:57
